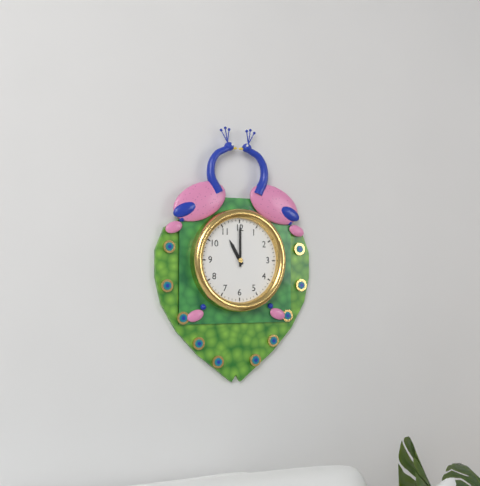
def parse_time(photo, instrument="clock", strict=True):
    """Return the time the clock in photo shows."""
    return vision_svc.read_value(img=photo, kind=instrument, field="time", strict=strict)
11:00
